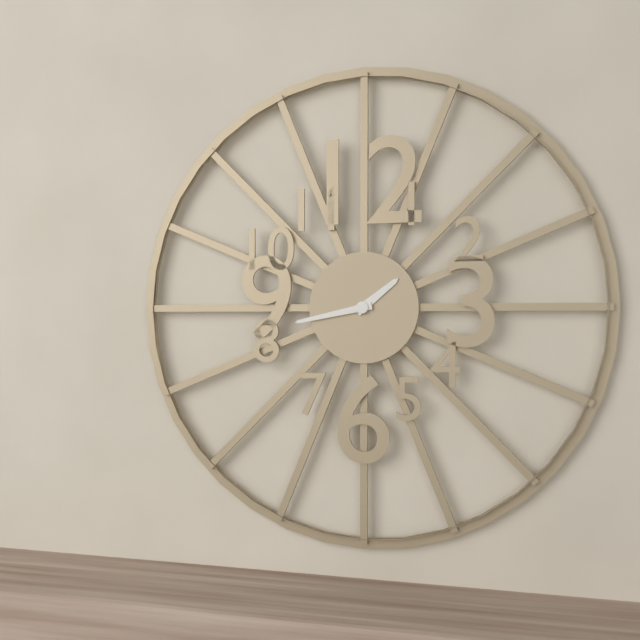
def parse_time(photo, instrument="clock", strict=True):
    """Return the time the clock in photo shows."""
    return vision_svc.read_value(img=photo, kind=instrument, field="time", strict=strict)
1:43
